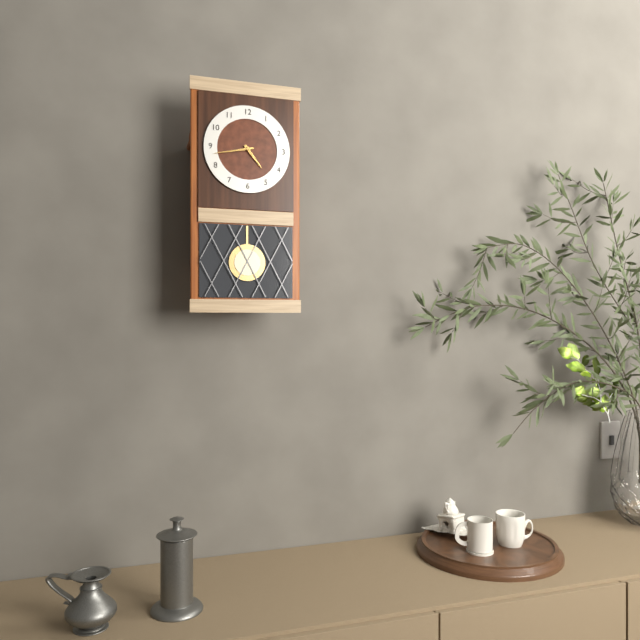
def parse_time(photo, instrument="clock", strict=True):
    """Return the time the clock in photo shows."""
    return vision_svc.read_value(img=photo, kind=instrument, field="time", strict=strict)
4:43
